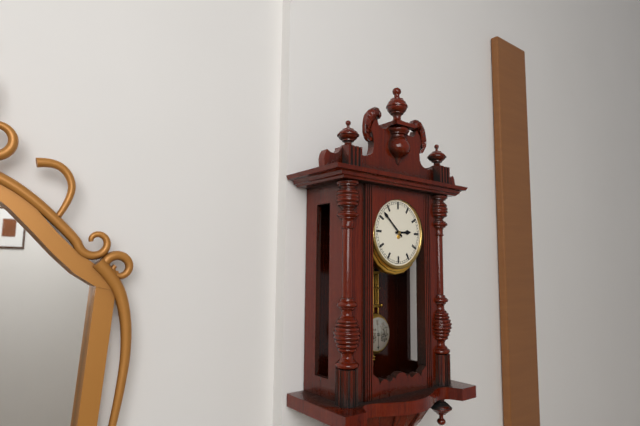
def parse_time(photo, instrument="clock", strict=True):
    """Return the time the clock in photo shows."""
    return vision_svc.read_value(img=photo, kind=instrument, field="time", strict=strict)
2:52
